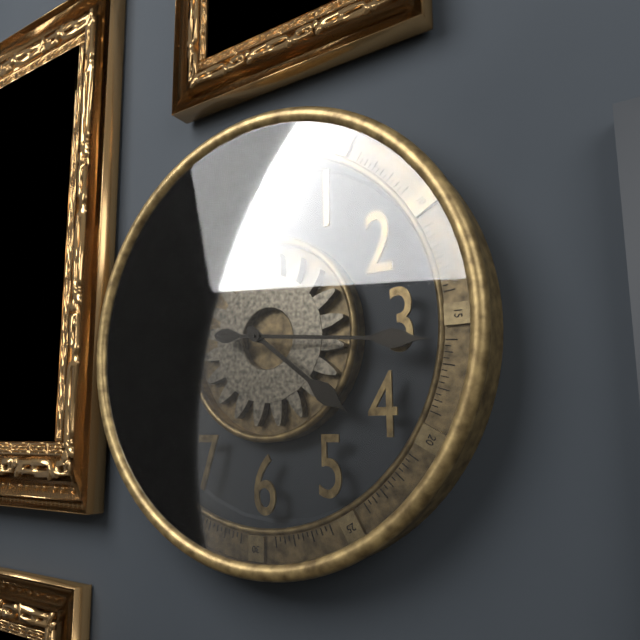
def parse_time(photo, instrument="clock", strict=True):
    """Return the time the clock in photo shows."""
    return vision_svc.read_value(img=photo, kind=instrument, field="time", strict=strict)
4:16
